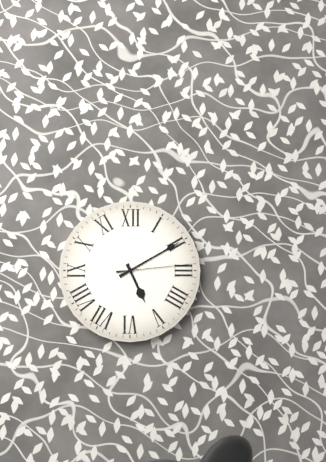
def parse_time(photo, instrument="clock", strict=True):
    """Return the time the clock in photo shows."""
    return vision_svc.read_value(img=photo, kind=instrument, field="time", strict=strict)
5:10:14
